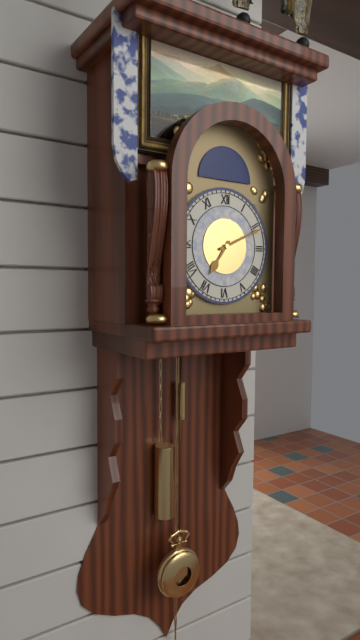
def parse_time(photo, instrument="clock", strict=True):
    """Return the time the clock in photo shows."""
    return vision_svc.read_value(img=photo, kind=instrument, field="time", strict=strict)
7:11
